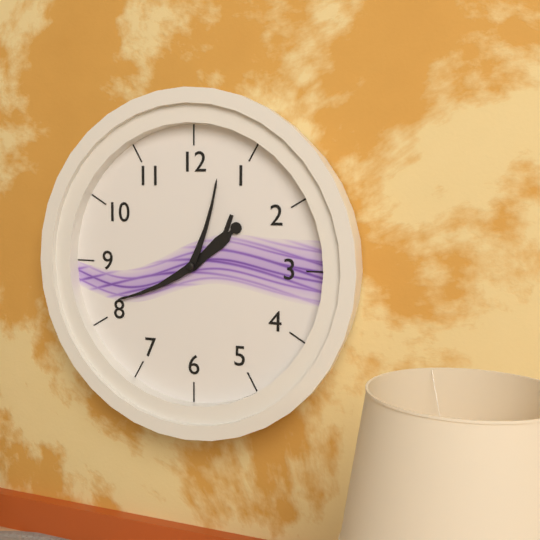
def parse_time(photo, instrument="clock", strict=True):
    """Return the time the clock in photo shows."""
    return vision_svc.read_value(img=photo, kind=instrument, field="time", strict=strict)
1:41:03
